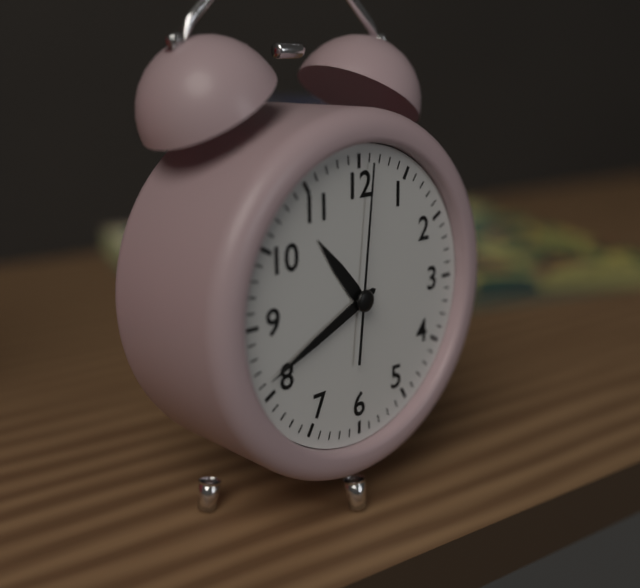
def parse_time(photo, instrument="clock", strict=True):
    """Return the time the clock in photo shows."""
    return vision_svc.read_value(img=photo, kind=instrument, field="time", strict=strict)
10:41:01
